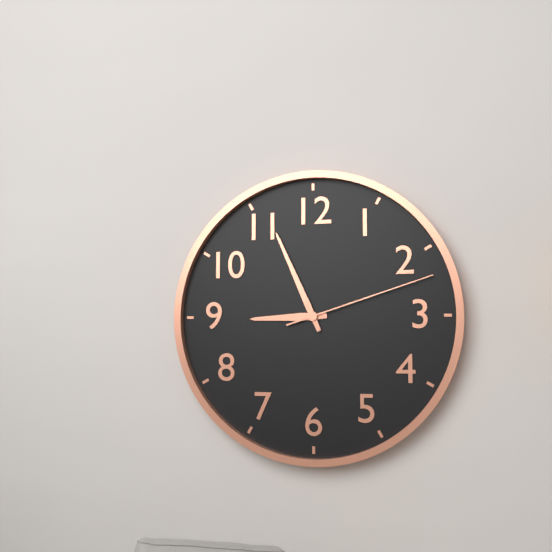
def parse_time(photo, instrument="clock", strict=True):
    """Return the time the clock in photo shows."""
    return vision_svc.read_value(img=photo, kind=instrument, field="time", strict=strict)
8:56:12
